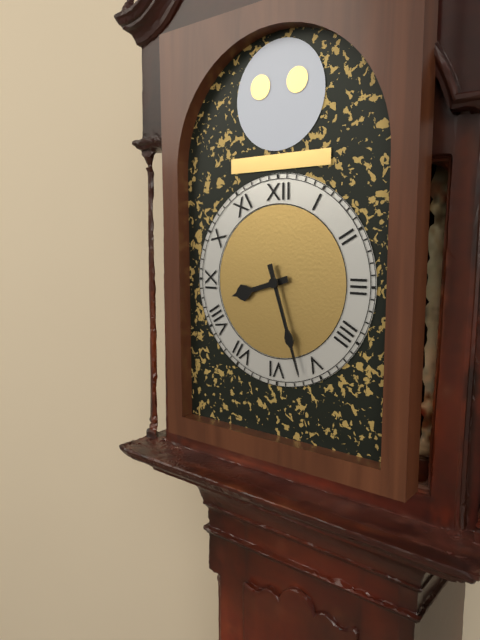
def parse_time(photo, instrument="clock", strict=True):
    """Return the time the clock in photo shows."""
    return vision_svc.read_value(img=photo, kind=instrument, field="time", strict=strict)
8:27
